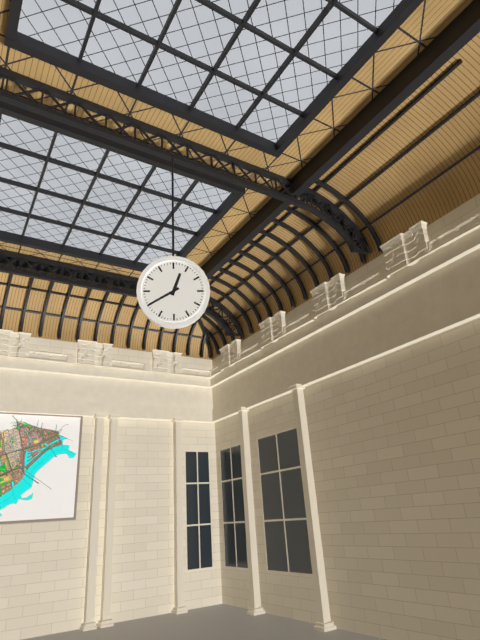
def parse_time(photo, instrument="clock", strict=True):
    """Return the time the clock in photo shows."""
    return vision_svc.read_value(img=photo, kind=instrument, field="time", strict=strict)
12:40
